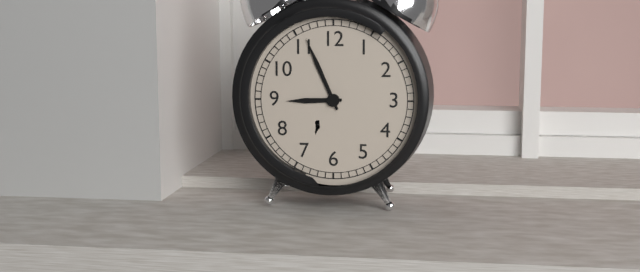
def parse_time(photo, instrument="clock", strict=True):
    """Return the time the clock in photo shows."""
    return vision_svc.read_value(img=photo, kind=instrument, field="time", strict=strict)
8:56
